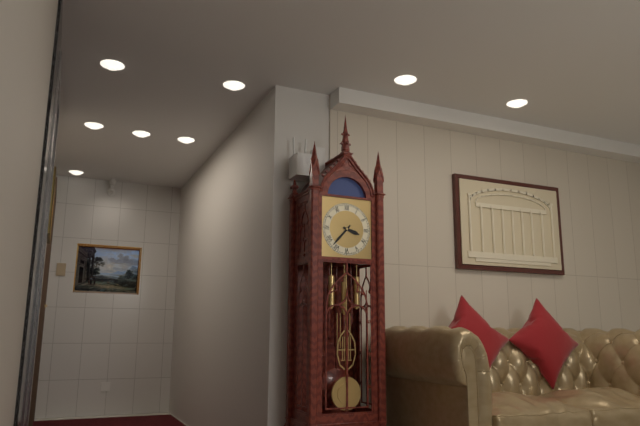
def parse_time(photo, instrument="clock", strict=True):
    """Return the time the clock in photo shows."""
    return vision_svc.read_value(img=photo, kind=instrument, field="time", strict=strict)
3:37
